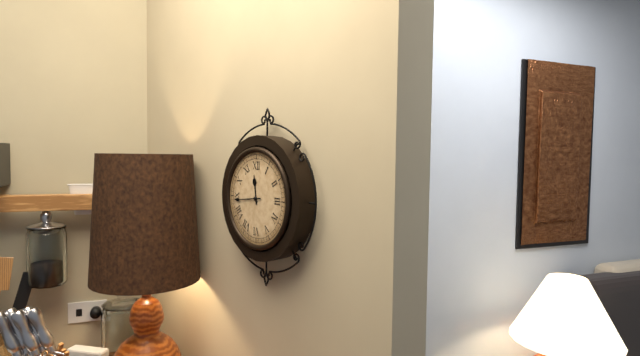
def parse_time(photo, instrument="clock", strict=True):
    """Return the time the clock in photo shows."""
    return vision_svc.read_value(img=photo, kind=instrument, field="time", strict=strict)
11:44
